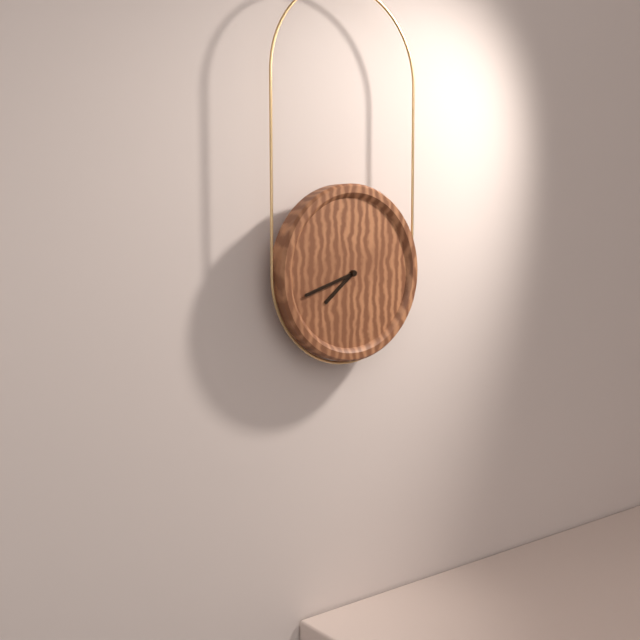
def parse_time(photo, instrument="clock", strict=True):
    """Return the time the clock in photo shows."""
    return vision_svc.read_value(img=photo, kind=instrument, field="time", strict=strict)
7:42
